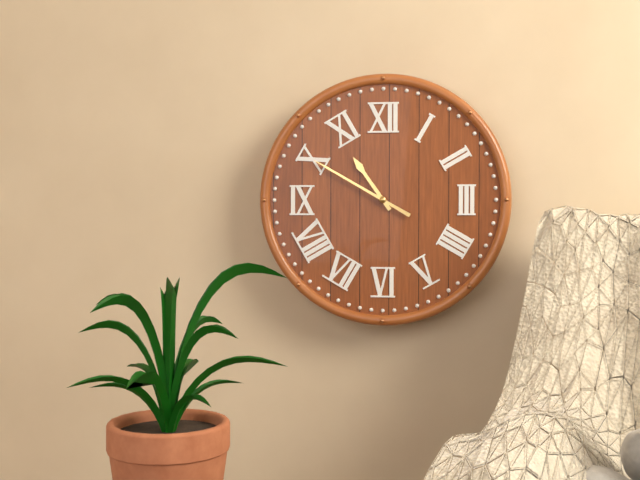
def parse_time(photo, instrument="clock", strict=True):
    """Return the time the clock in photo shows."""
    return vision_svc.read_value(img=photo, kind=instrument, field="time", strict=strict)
10:50
